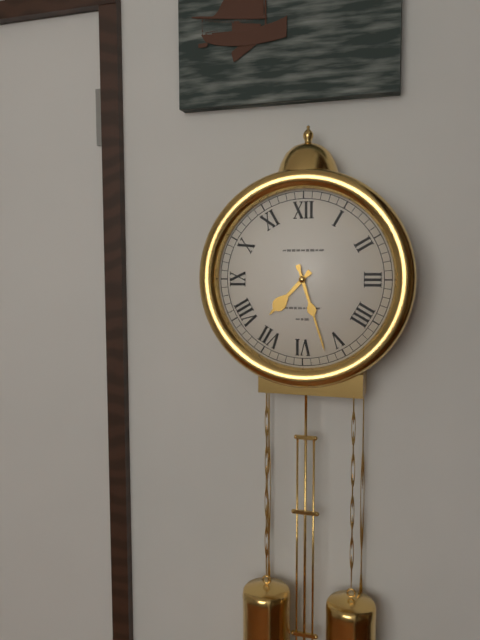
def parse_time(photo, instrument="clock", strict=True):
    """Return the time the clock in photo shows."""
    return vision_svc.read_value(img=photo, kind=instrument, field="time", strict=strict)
7:27
